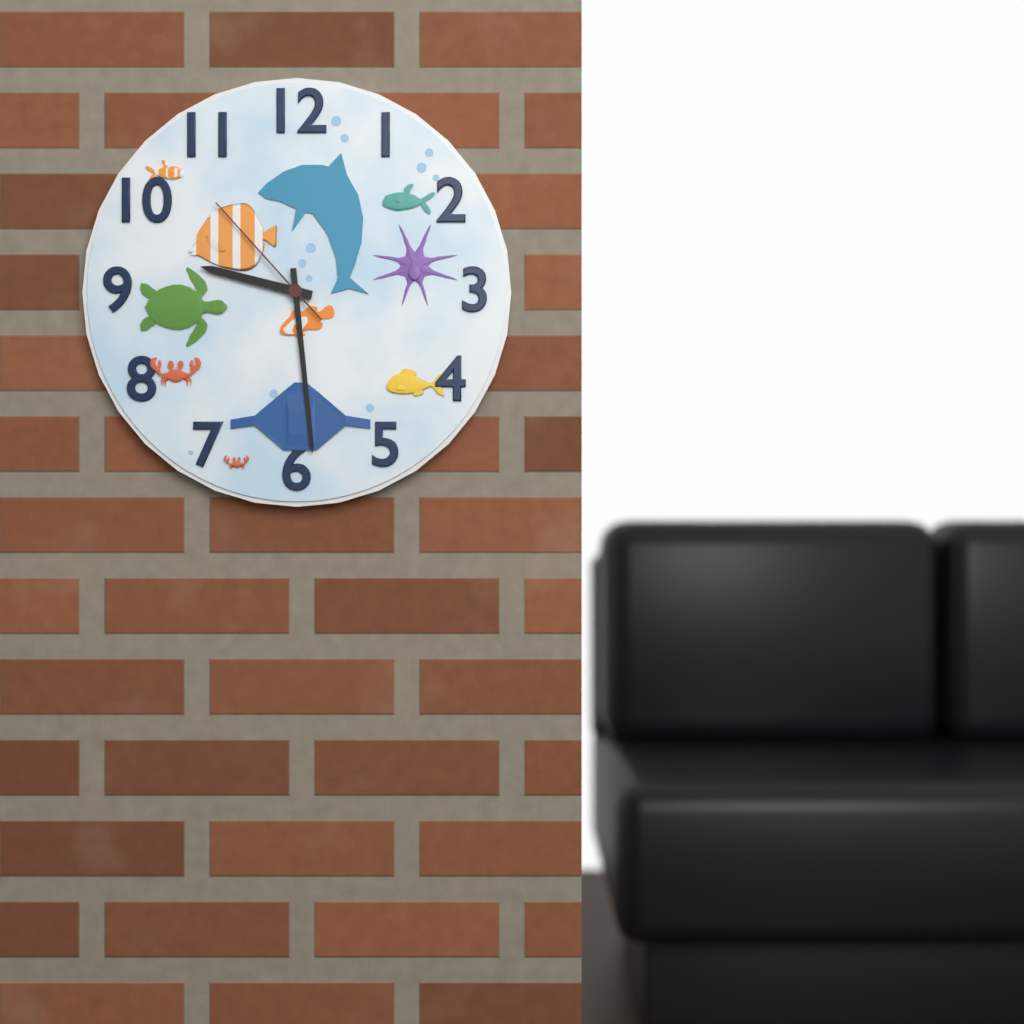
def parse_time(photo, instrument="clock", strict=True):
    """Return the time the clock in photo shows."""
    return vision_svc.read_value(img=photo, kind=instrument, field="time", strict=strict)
9:29:53
